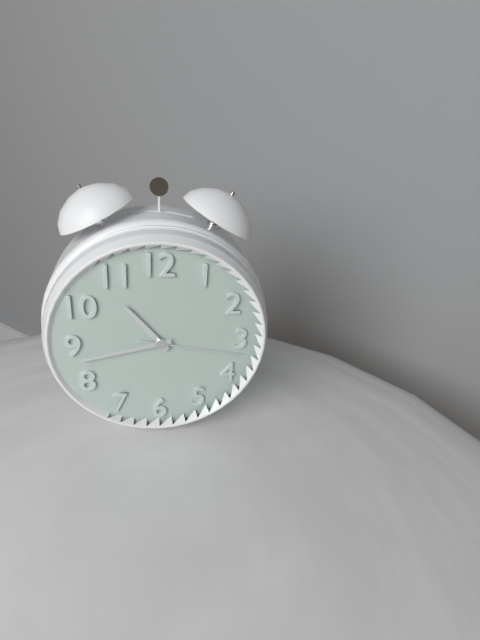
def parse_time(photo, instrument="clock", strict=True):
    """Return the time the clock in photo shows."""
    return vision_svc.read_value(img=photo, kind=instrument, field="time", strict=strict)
10:43:17
